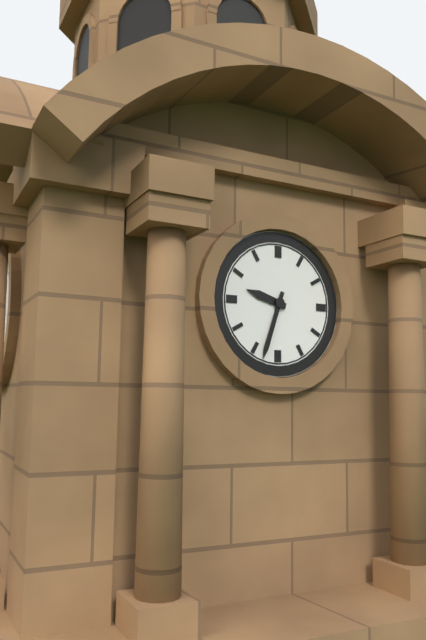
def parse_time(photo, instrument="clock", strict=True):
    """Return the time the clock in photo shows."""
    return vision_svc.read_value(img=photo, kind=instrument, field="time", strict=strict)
9:33
